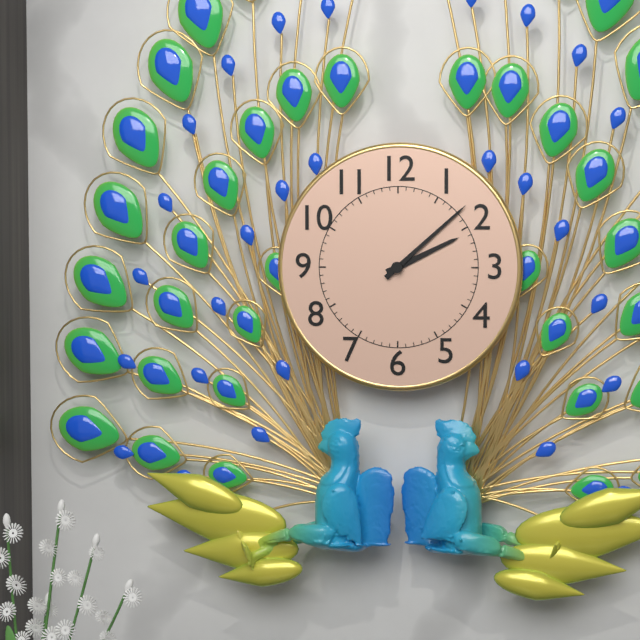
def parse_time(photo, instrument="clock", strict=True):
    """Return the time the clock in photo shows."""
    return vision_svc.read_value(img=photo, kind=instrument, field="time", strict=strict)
2:08
